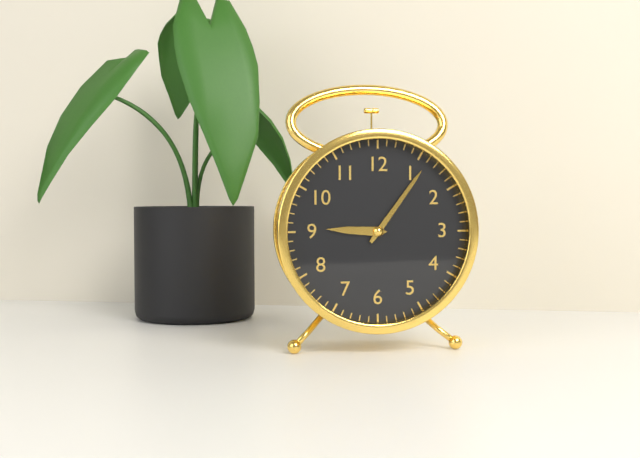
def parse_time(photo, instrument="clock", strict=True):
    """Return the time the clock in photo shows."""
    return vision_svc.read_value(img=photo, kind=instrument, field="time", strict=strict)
9:06
